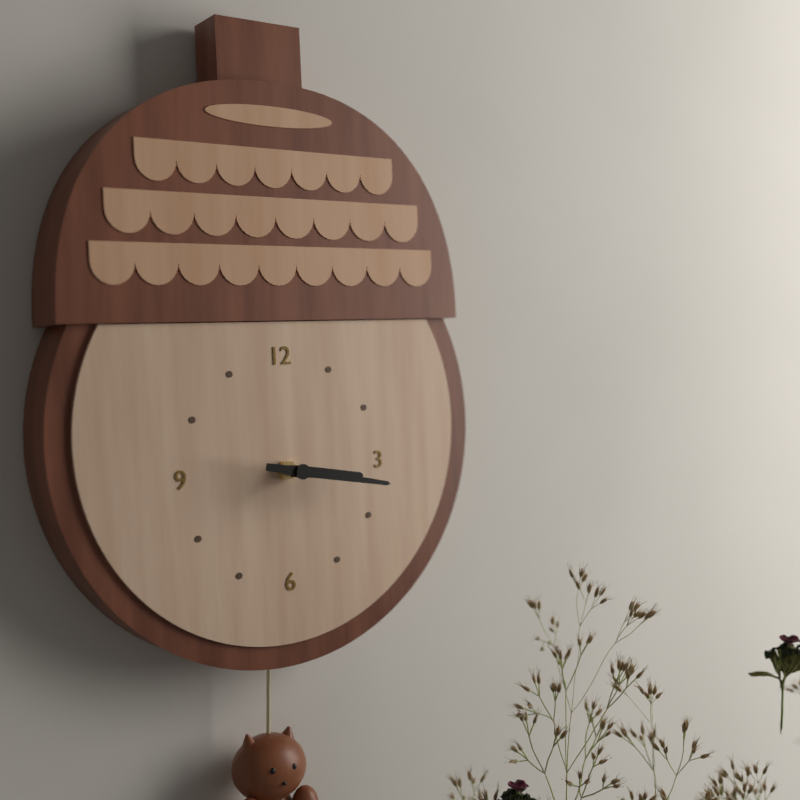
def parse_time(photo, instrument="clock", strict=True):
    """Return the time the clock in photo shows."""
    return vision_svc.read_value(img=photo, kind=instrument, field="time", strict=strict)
3:17
